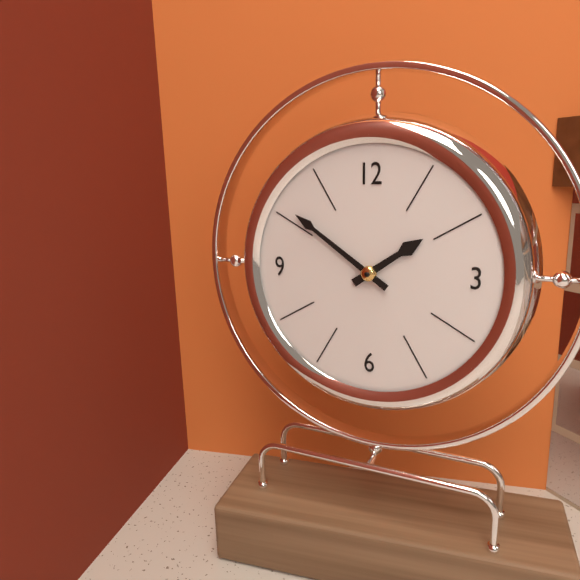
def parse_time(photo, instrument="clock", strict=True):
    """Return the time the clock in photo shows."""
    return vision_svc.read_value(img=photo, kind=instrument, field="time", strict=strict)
1:51
